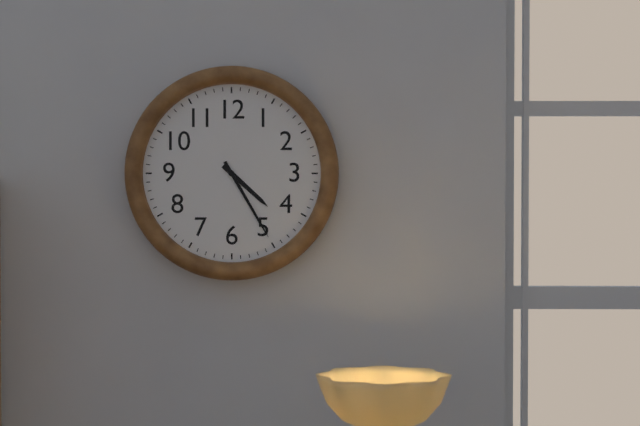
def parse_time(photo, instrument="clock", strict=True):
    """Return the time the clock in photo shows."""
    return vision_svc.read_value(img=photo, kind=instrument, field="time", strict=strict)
4:25
